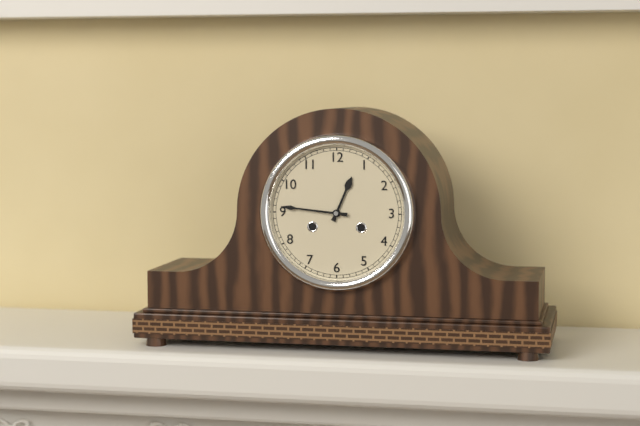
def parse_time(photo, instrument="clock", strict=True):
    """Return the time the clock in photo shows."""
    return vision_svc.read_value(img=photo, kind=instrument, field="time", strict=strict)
12:46
